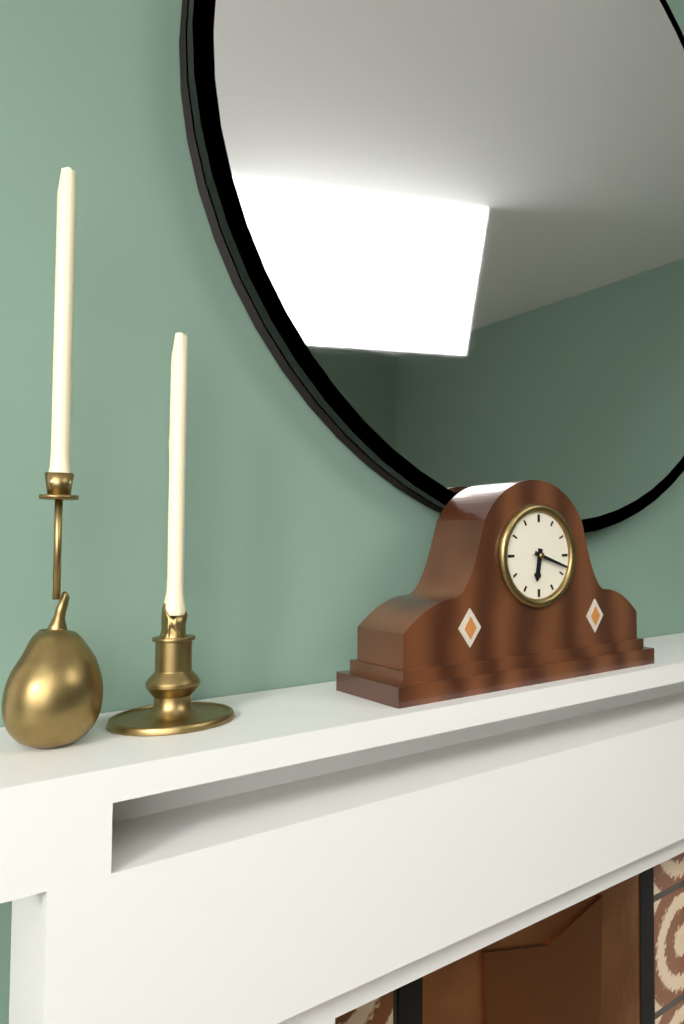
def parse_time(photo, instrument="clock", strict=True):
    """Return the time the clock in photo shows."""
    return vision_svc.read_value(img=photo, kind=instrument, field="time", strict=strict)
6:18
